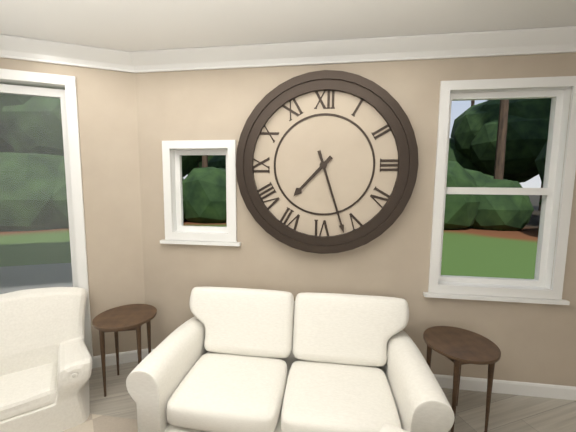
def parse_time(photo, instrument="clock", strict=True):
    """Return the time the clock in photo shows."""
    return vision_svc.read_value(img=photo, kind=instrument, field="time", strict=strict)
7:27
